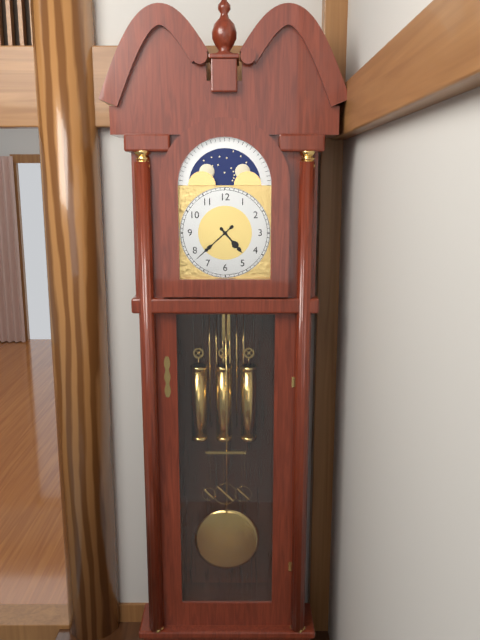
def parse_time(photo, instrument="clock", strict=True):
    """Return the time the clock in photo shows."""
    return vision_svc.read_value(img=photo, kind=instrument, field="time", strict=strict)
4:38
